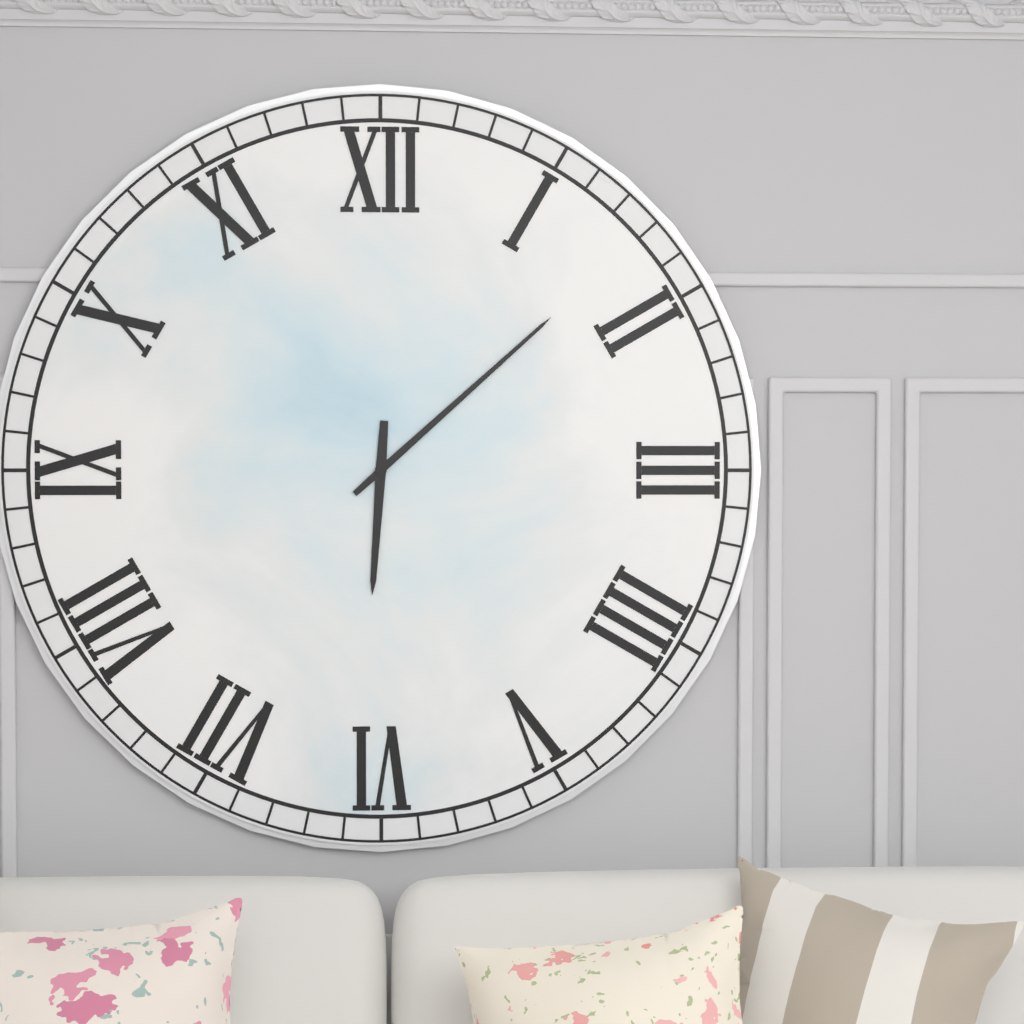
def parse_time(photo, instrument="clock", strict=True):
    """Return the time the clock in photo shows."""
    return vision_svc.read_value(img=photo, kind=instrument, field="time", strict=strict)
6:08
